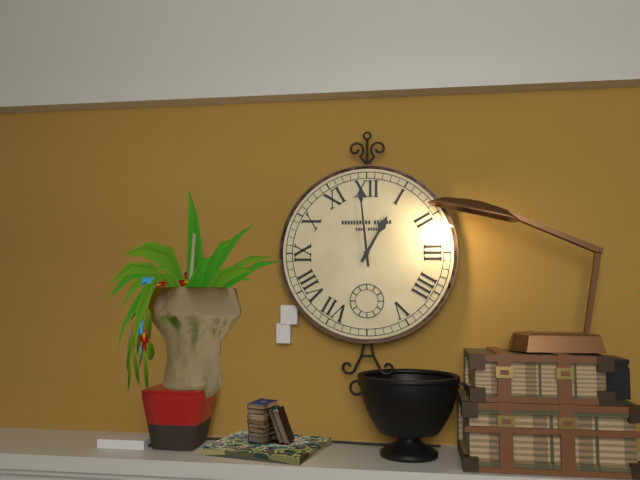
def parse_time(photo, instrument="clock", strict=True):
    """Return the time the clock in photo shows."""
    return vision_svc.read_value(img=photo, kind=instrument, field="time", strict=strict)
12:59
